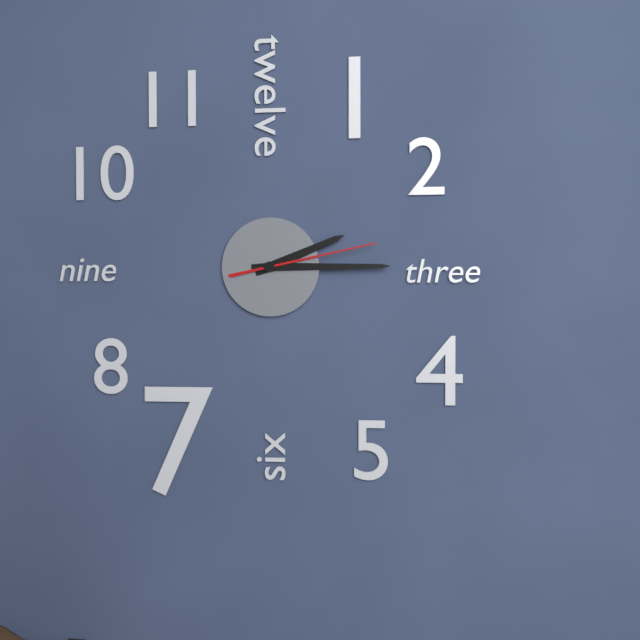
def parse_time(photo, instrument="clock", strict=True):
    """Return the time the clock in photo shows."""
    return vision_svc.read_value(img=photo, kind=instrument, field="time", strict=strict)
2:15:13
